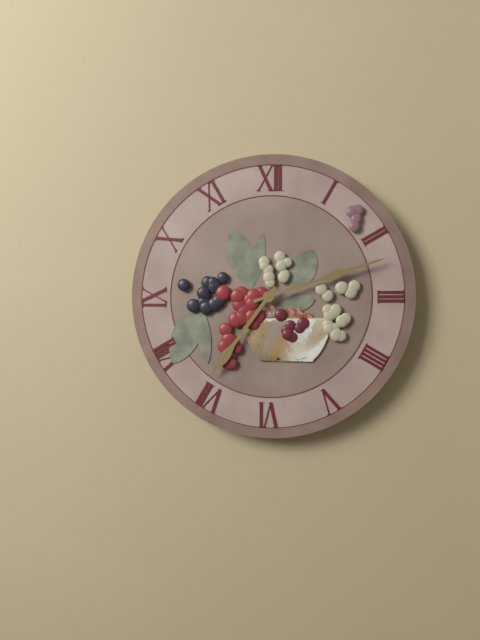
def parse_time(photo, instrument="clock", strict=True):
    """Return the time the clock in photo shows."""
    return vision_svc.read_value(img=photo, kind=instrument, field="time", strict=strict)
7:12
